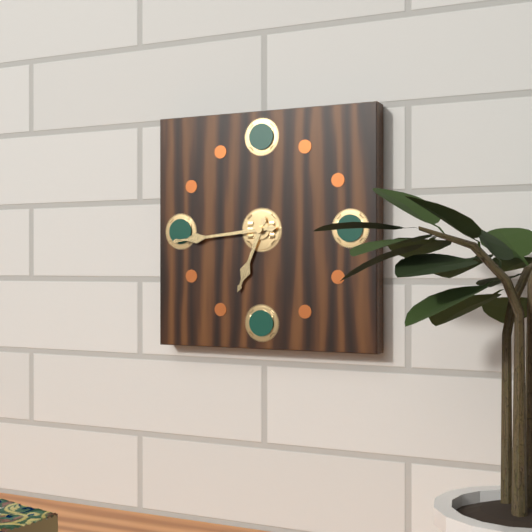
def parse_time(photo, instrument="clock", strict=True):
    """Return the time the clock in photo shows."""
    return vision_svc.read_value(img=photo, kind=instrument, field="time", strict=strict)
6:44
